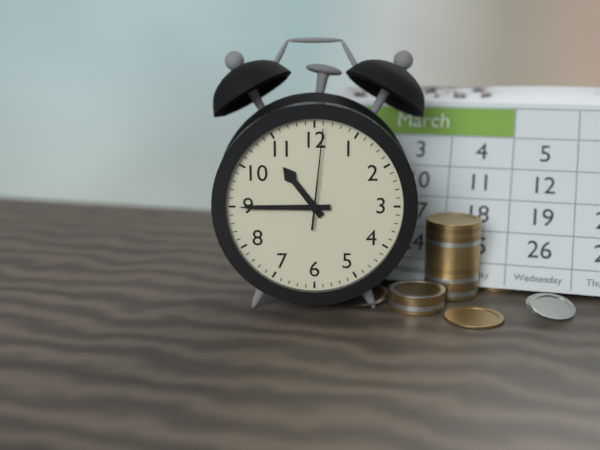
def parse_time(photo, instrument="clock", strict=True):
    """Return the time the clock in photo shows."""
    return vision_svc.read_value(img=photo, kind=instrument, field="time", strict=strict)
10:45:01
